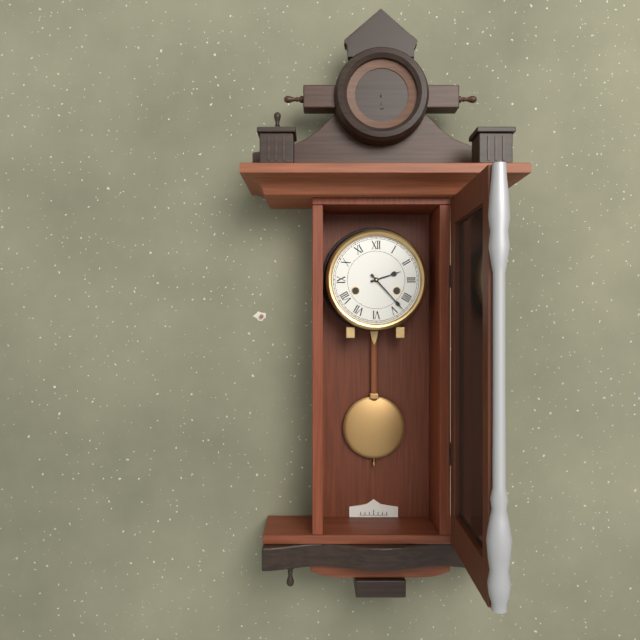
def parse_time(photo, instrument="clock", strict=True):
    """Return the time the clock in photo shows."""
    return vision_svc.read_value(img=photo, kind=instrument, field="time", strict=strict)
2:23
